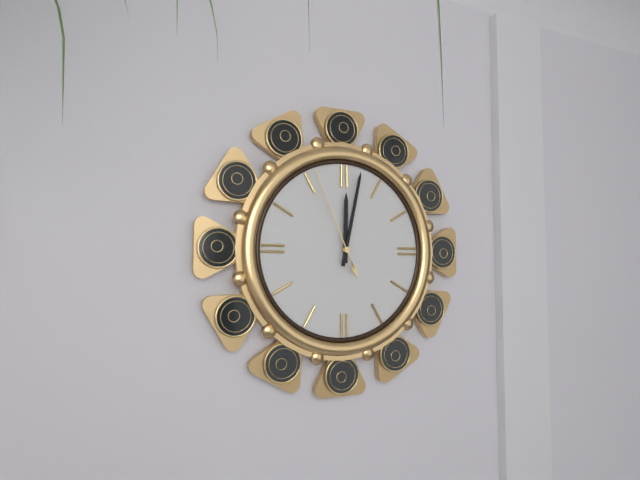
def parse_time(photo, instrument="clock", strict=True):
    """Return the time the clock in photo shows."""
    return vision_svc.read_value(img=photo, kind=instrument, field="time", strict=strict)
12:02:56
